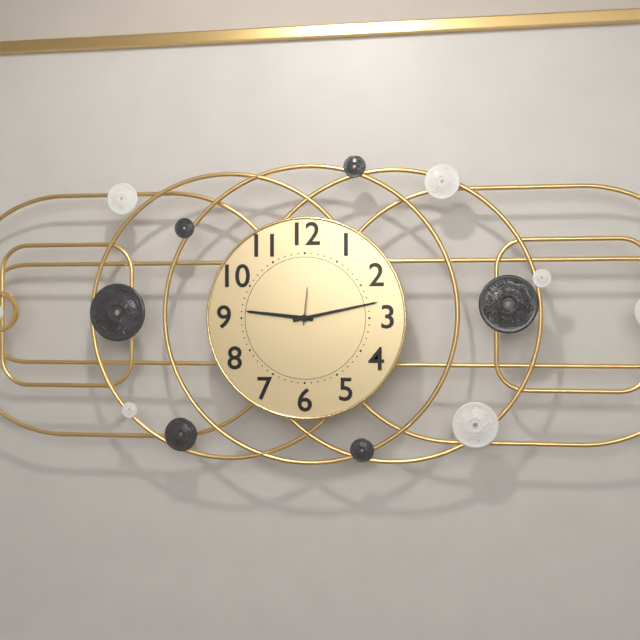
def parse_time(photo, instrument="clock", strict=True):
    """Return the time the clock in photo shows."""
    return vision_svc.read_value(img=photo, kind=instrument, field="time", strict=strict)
9:13
